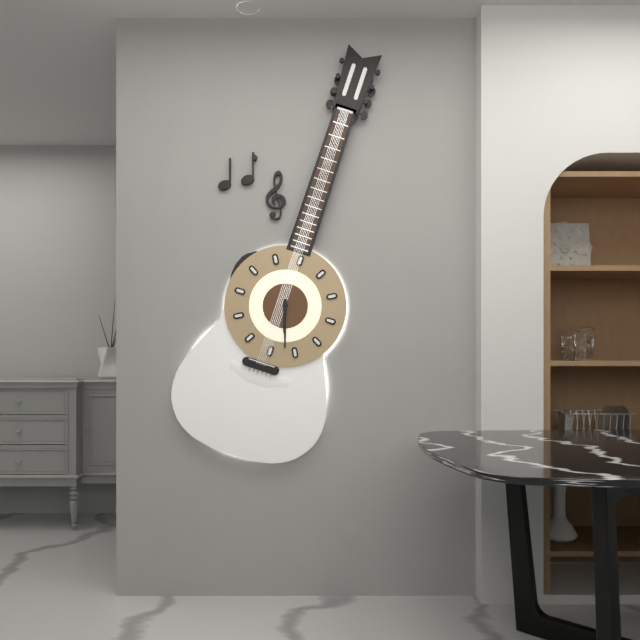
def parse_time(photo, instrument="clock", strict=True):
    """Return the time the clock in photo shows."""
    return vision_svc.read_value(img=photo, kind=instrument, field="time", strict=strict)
5:27
